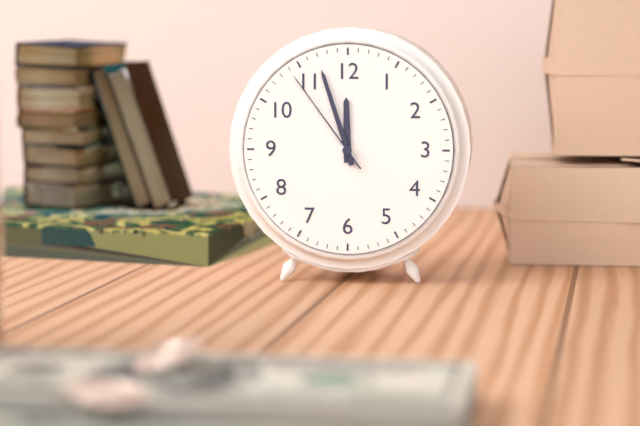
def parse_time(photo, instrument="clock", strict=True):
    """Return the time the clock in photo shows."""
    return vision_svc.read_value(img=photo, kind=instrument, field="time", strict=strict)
11:57:54
